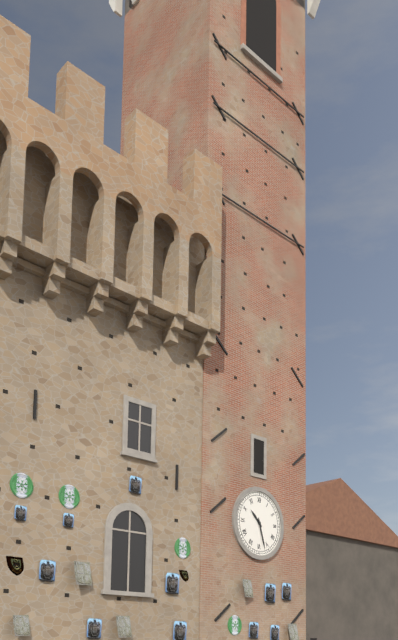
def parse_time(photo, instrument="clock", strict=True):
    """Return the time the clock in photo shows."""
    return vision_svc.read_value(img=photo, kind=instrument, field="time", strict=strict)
10:27
